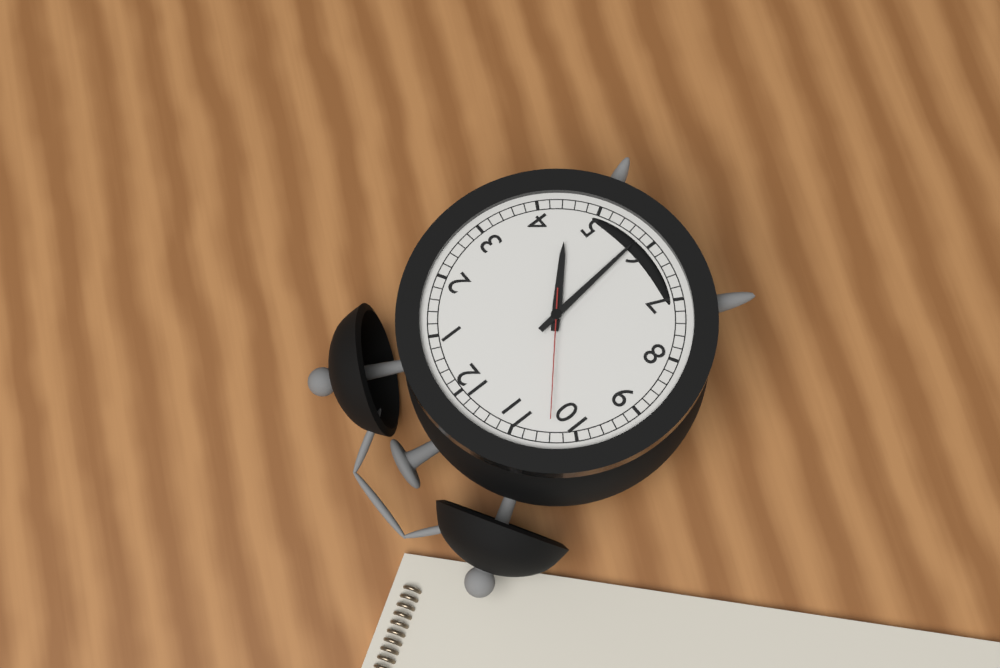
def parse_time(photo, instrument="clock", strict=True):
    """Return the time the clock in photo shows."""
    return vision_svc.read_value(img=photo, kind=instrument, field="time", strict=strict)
4:29:52
